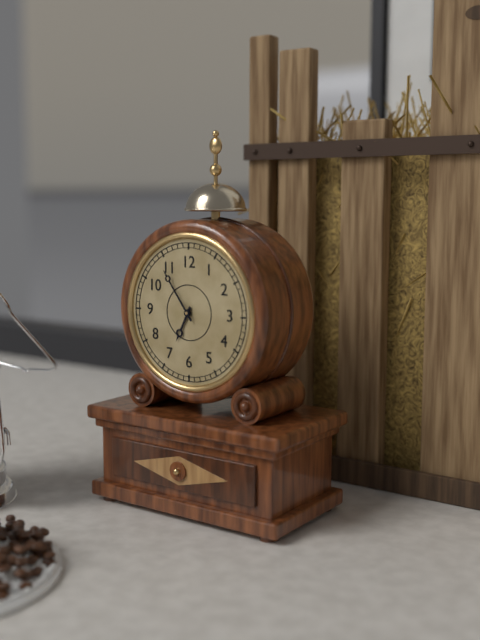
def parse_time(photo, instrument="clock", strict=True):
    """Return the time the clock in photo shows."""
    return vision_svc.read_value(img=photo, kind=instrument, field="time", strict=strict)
6:54
